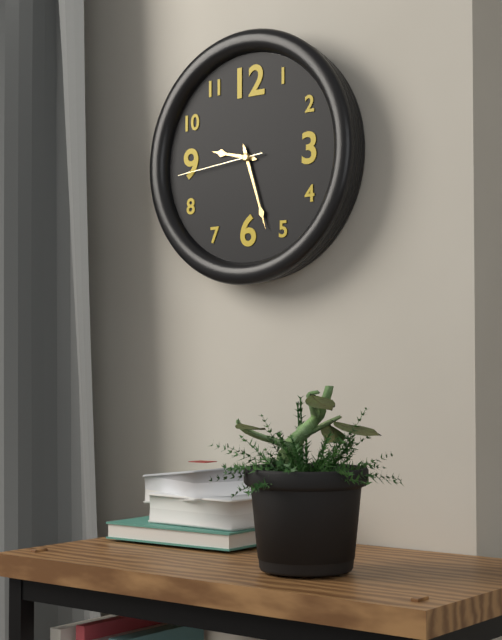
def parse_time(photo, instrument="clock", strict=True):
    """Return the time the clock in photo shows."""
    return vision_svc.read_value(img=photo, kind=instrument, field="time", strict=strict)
9:27:44
